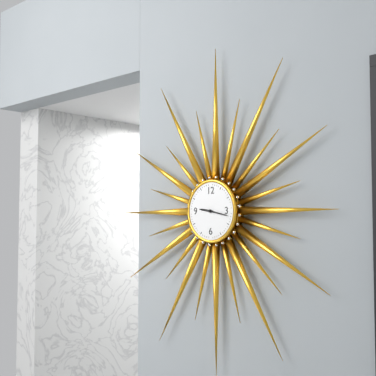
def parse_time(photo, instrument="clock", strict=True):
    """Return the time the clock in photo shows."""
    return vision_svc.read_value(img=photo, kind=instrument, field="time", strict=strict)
9:17
